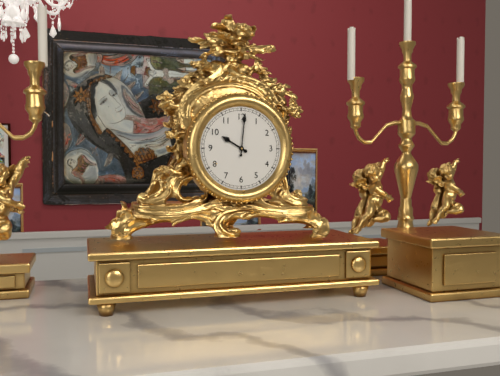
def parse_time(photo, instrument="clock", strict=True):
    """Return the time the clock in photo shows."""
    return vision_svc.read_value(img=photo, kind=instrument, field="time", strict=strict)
10:01
